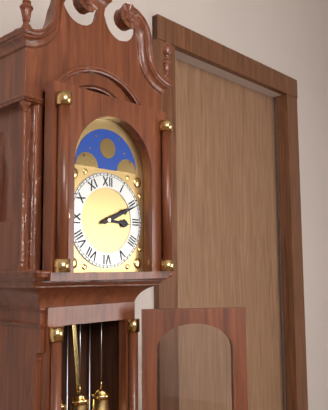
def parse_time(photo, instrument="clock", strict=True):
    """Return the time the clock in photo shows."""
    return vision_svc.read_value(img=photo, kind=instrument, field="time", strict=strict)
3:11
